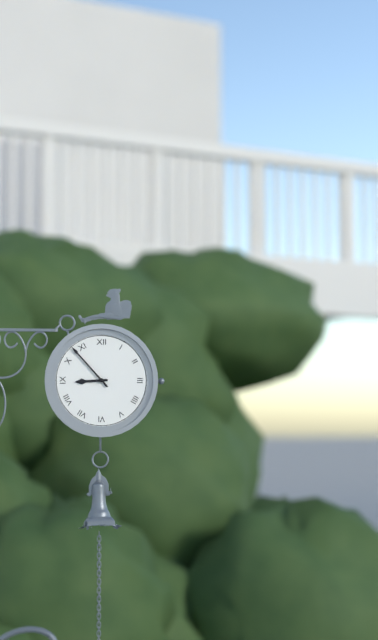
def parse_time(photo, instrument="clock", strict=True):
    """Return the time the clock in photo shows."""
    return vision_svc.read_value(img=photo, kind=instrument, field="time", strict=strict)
8:53
